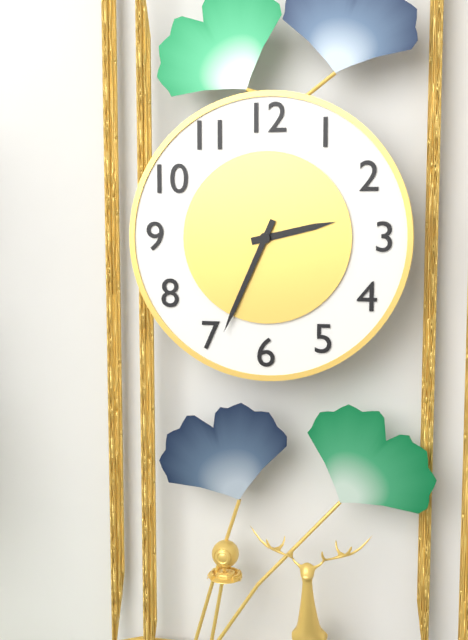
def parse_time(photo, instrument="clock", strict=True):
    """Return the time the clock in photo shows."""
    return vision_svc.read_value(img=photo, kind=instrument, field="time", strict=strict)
2:34
